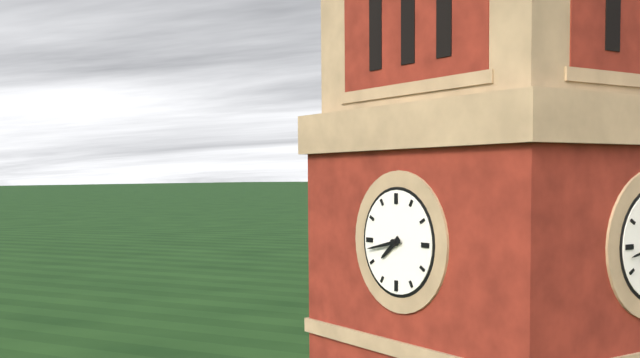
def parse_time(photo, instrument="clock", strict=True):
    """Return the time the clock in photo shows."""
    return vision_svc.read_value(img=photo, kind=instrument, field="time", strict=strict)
7:43
